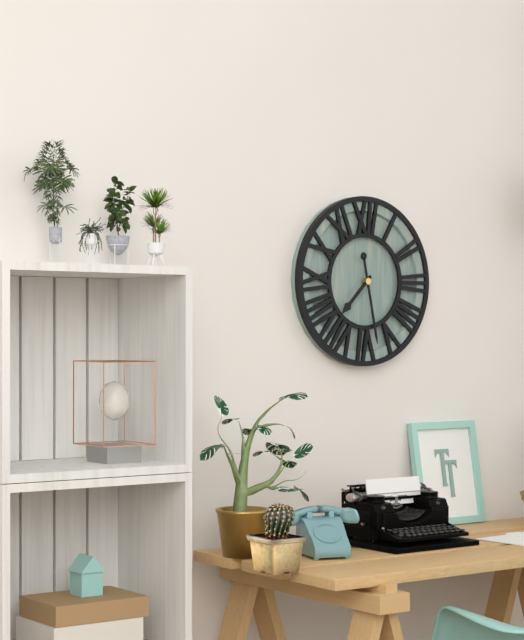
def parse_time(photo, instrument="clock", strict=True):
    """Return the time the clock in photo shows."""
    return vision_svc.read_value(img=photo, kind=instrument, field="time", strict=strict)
7:28
